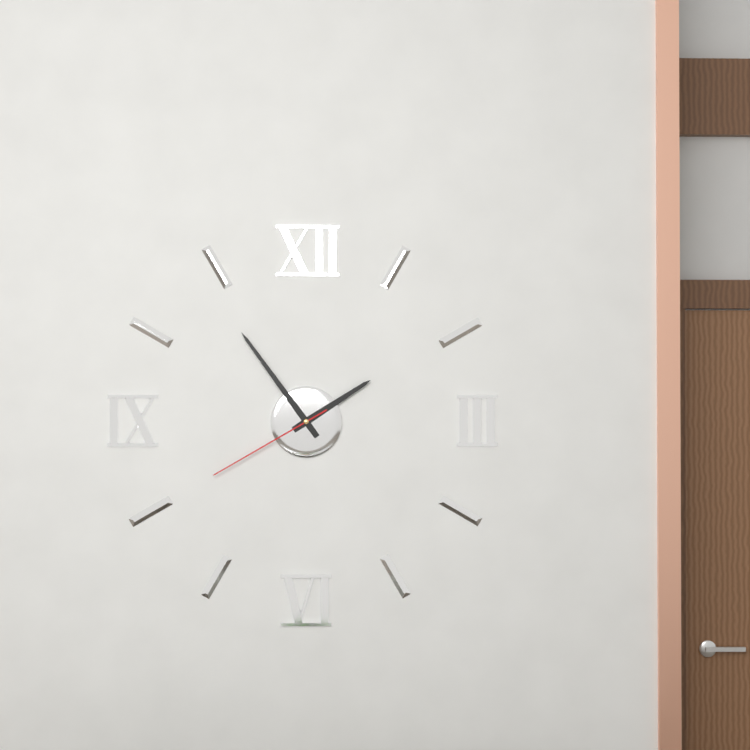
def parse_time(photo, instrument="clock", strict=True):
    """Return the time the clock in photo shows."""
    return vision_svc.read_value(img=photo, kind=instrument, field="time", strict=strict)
1:54:40
